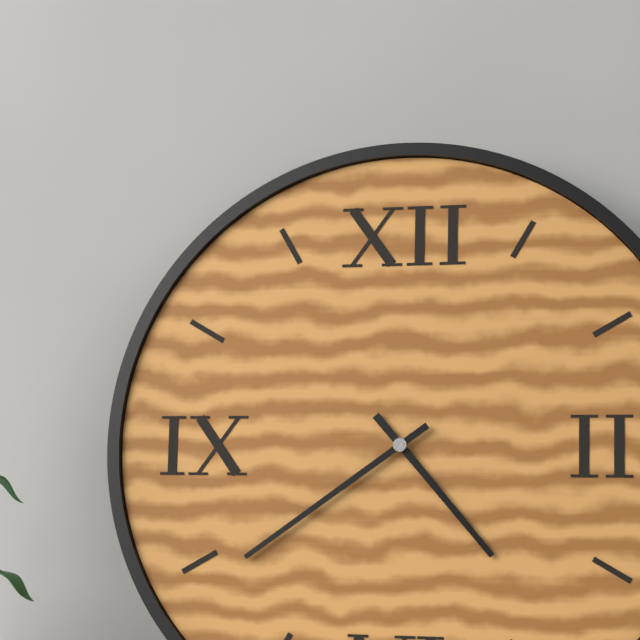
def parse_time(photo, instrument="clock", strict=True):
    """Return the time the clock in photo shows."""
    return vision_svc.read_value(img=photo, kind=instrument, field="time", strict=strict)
4:39
